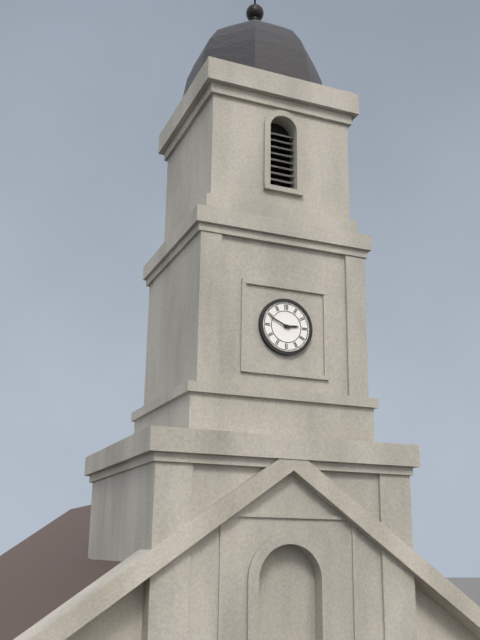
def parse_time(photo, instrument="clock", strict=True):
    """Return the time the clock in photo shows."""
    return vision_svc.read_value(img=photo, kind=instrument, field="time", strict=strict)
2:49
